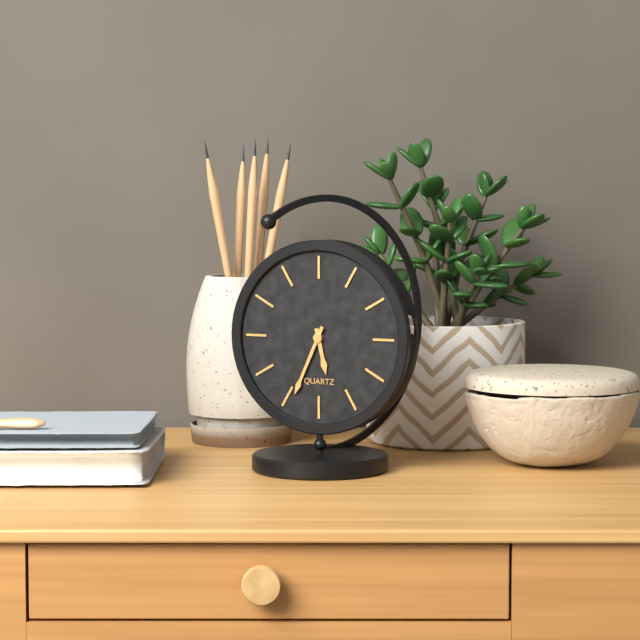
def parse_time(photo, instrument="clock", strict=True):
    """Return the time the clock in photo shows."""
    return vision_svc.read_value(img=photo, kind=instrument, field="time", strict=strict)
5:34
